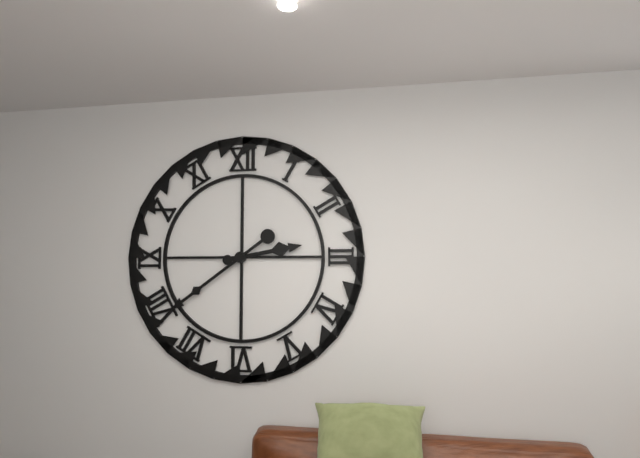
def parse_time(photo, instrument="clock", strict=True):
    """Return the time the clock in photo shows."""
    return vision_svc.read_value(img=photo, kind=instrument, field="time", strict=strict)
2:39
